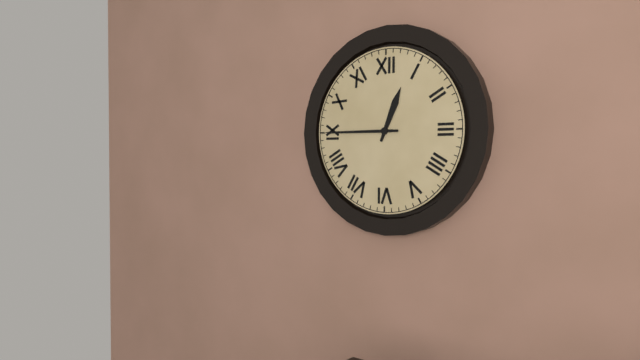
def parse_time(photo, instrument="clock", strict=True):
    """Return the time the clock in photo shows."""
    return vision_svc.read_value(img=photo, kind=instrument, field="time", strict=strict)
12:45
